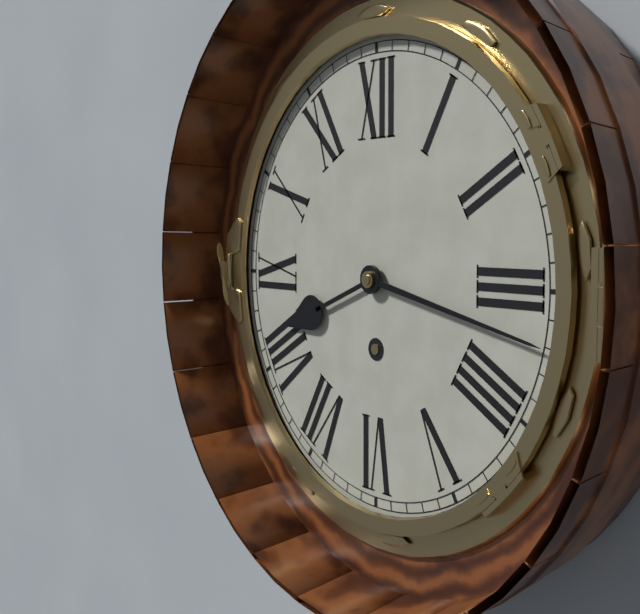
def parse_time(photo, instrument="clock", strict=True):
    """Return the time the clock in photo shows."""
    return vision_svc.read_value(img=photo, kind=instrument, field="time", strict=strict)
8:17
